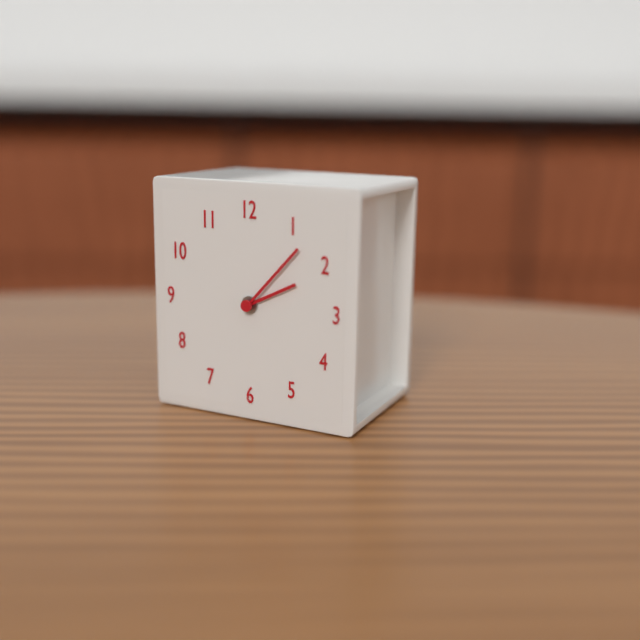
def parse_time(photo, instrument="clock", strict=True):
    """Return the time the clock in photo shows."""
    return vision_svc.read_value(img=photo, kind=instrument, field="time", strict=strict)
2:07
